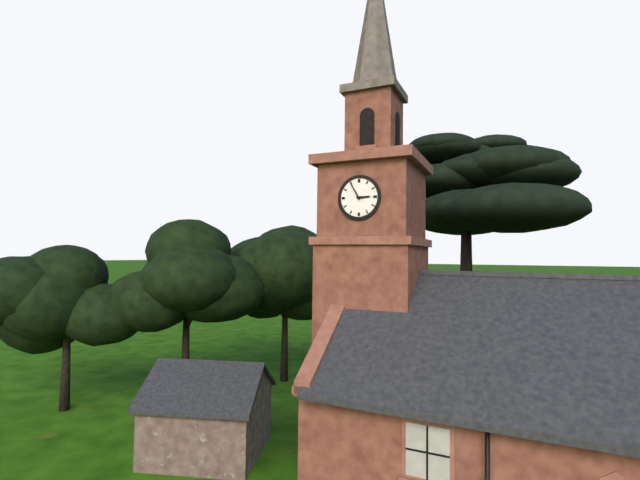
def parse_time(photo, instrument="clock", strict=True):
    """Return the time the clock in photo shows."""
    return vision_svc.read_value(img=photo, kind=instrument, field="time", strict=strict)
2:55
